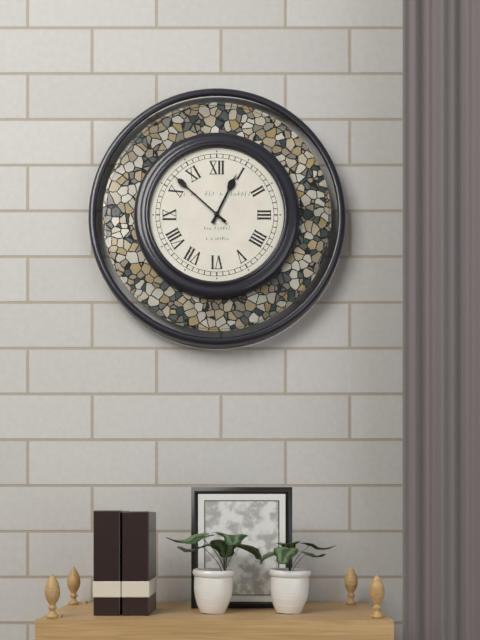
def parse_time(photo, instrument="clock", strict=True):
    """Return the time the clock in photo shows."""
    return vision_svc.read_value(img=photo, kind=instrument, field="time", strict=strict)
12:52
